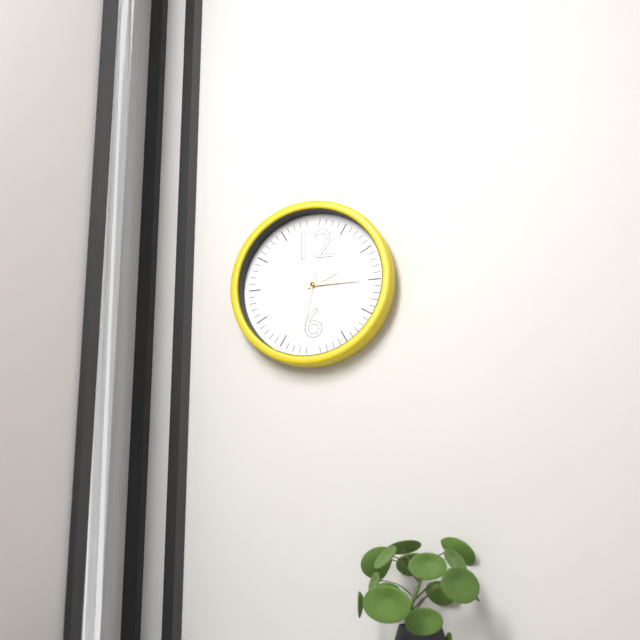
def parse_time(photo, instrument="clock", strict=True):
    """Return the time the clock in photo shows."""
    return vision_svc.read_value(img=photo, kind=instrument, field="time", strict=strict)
2:15:32
